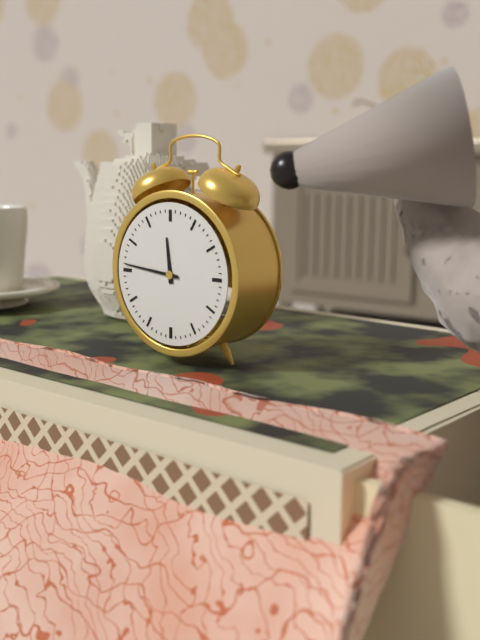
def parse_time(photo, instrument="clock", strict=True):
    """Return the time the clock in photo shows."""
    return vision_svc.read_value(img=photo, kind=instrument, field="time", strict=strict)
11:46
